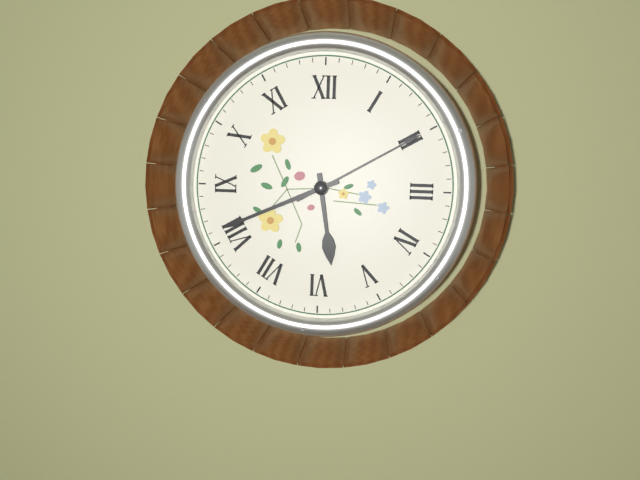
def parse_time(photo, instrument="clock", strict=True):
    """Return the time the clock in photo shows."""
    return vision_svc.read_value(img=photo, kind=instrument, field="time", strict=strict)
5:41:10
